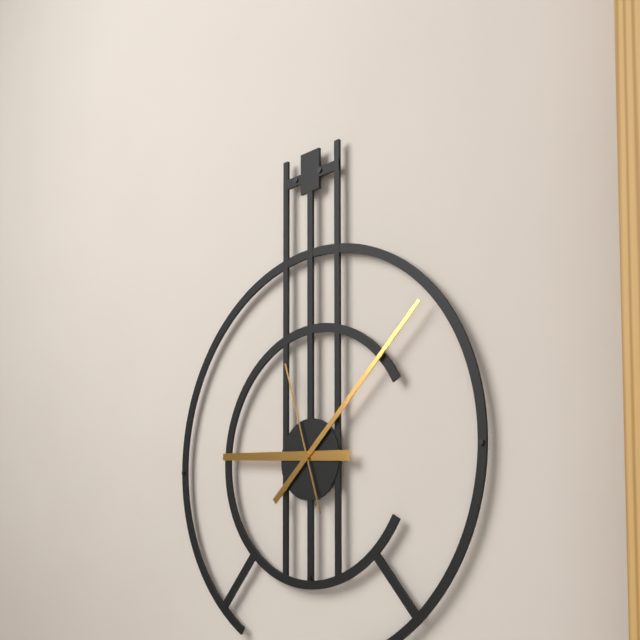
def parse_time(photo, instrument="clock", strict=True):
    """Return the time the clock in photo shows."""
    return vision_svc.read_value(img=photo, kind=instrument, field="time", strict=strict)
9:08:57
